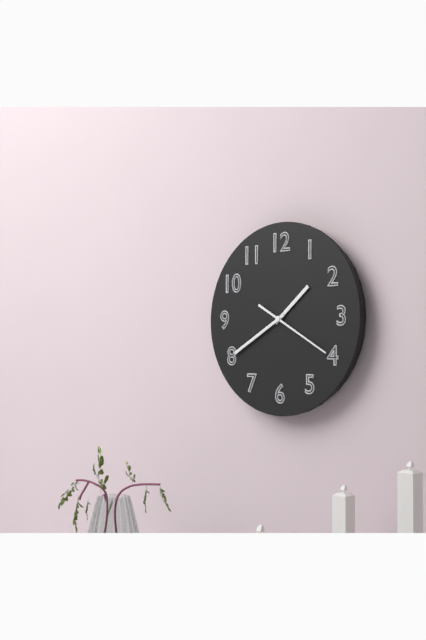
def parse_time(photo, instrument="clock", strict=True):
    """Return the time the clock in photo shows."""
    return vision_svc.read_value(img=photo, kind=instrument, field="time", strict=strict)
1:40:20
